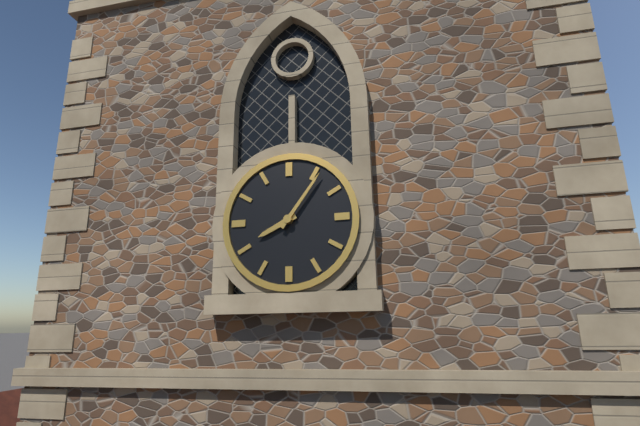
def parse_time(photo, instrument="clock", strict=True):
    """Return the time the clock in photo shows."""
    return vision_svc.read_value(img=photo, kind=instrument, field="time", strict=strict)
8:06
